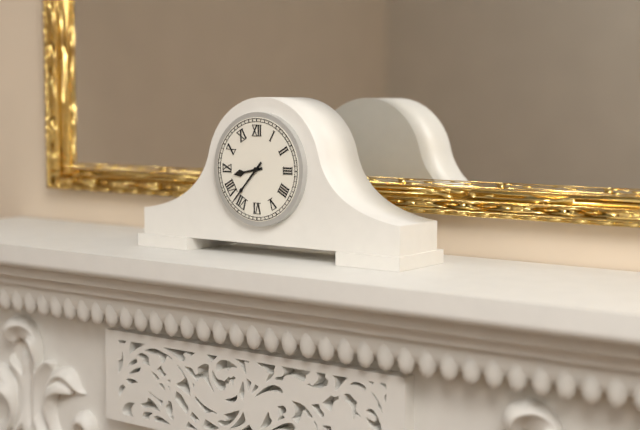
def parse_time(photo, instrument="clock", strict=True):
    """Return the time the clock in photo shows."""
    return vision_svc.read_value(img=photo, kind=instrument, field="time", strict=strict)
8:37
